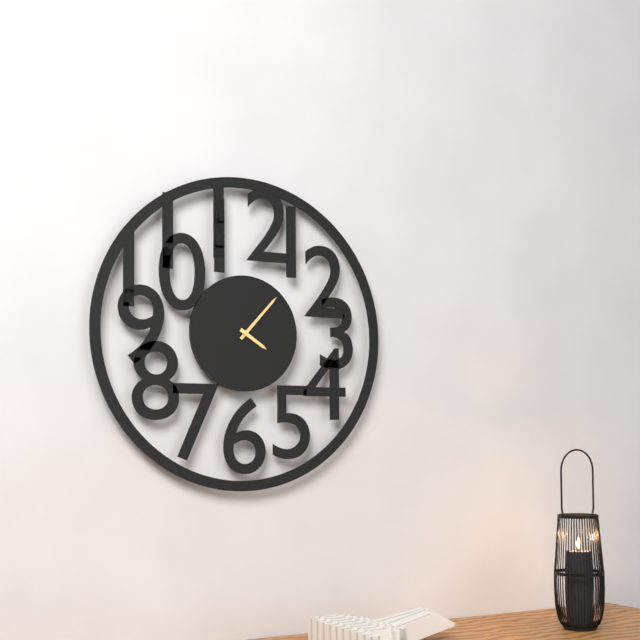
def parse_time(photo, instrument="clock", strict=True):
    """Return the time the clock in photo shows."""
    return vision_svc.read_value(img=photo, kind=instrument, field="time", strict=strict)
4:07
